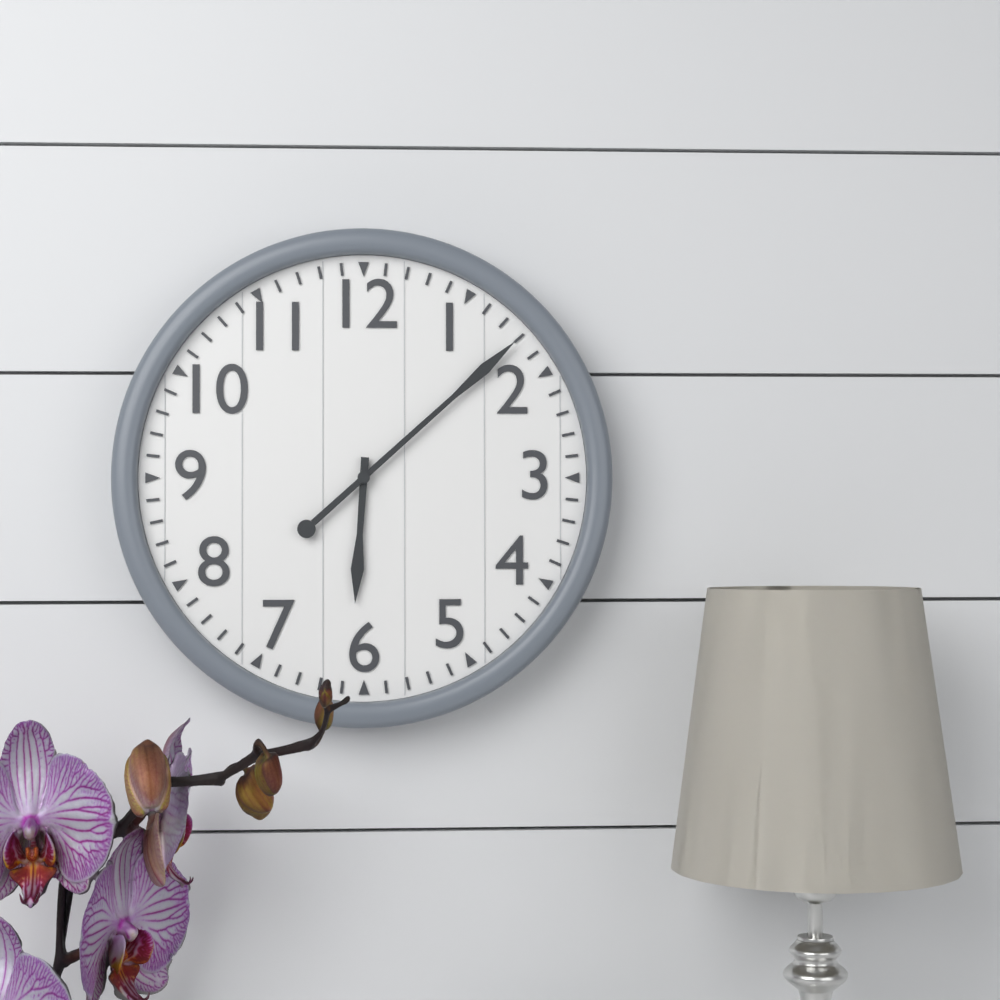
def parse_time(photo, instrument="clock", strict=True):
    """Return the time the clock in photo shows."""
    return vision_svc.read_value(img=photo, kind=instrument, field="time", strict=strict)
6:08
